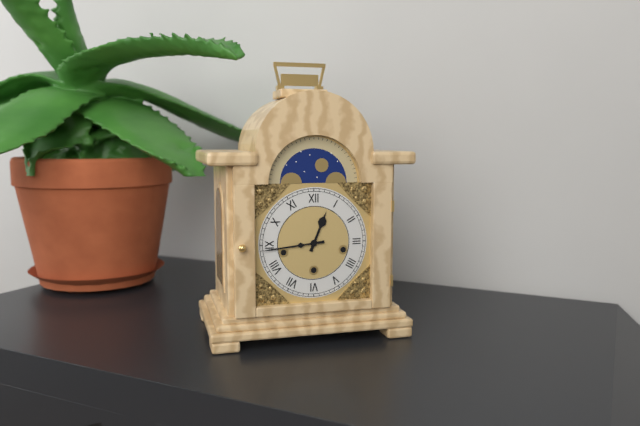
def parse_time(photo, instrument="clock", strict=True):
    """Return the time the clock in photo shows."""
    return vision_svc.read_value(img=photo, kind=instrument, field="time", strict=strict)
12:44
